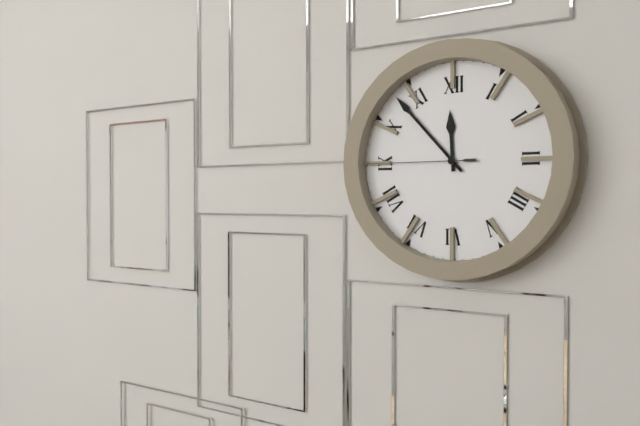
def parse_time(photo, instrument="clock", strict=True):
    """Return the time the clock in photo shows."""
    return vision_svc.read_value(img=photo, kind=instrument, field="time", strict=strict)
11:53:45
